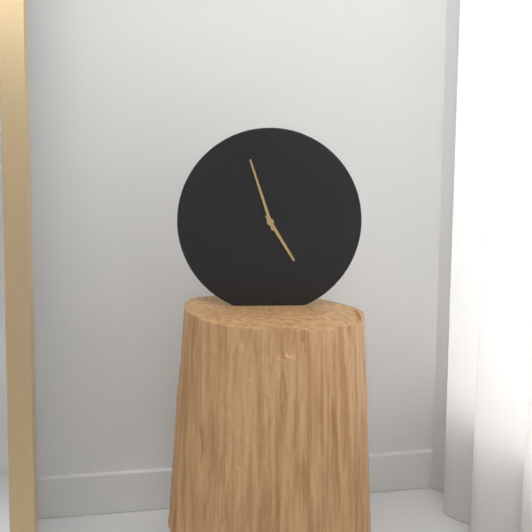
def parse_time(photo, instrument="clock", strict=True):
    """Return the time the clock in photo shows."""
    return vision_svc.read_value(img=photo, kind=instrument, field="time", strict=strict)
4:57
